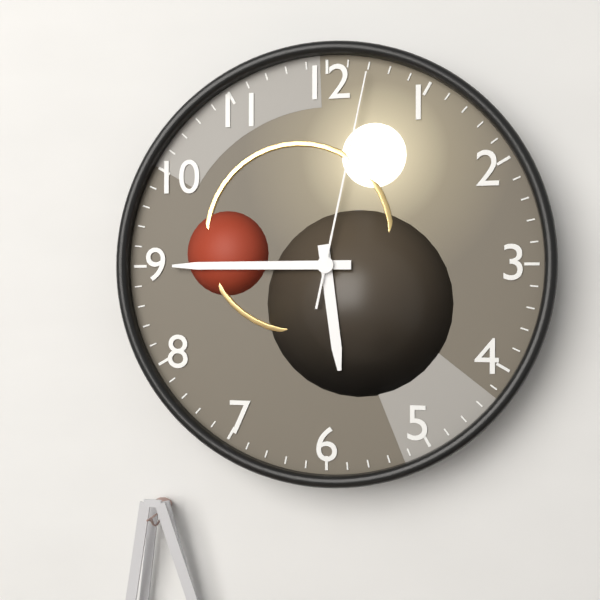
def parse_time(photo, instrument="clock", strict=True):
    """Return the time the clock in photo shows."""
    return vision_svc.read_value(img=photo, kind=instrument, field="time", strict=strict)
5:45:02
